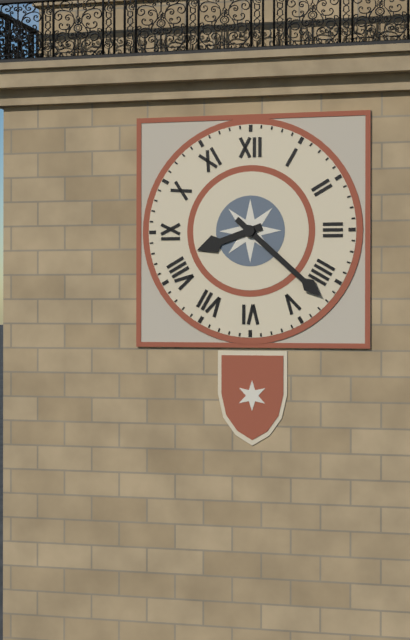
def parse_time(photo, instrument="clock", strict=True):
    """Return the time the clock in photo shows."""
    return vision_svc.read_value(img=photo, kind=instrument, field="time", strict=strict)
8:22
